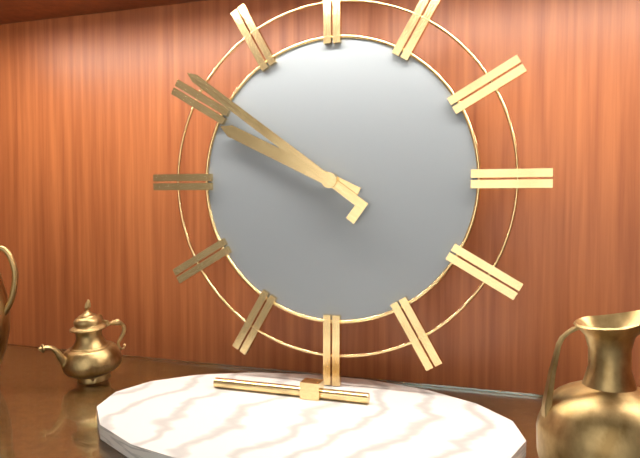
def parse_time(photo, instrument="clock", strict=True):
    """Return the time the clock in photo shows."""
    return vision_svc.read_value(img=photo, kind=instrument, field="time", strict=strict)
9:51
